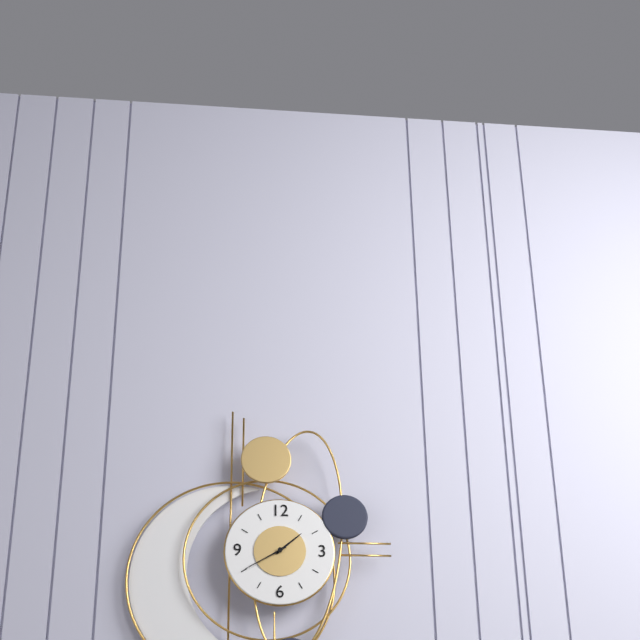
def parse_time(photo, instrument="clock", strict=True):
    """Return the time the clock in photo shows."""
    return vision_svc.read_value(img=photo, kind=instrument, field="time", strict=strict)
1:40
